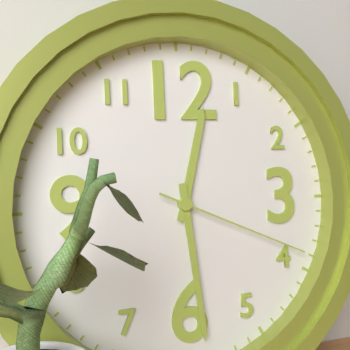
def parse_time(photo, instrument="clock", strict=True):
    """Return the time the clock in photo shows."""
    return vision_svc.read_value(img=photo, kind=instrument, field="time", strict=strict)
12:29:19
